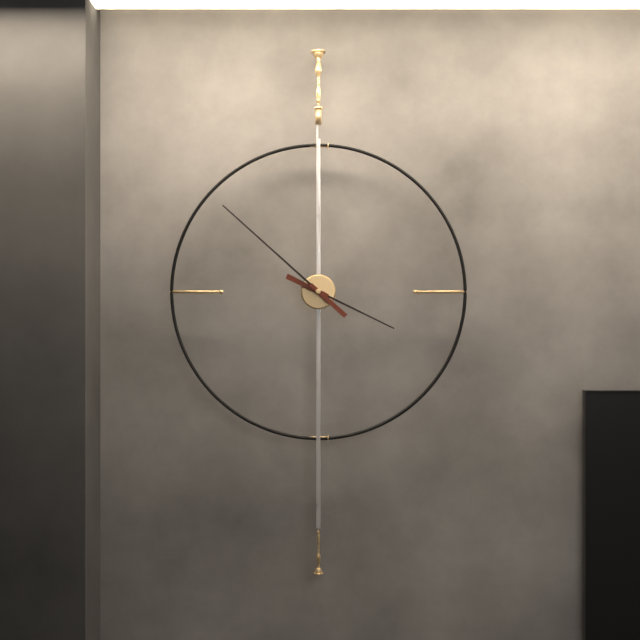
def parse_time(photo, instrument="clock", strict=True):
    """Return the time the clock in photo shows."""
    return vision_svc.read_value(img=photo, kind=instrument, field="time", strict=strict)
3:52
